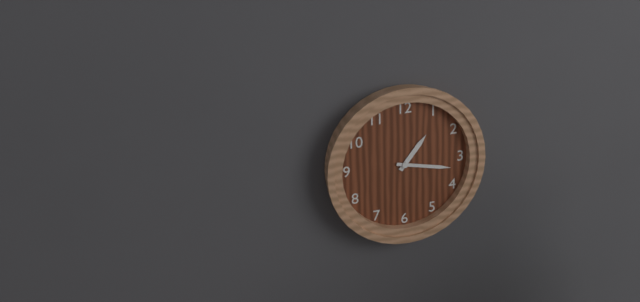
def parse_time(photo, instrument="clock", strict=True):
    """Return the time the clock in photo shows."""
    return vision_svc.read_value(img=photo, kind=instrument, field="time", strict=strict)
1:17
